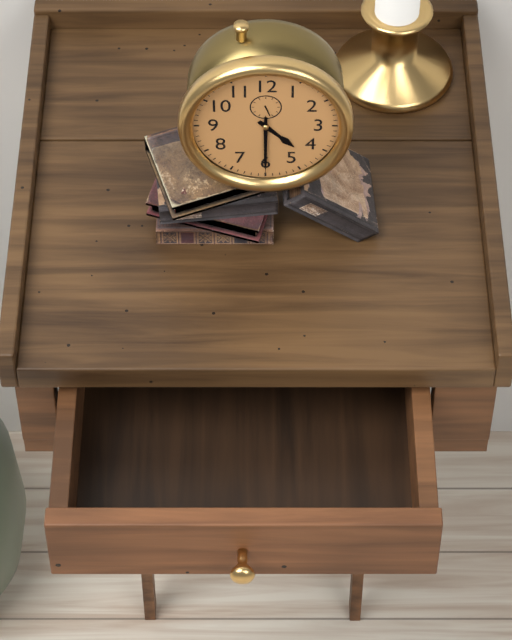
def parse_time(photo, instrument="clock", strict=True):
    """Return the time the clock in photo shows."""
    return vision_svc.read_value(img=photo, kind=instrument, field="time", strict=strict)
4:30
